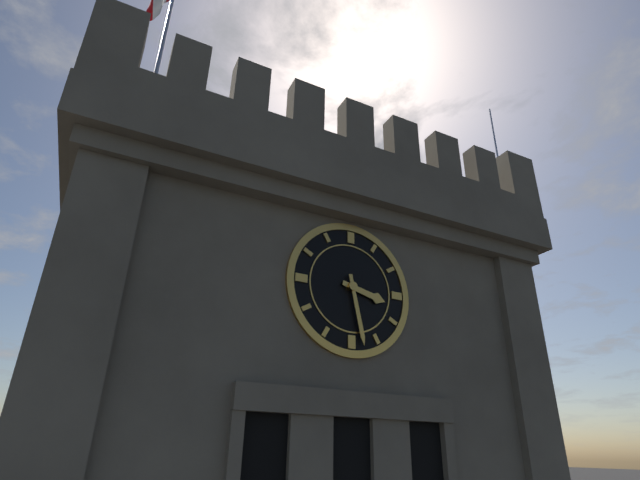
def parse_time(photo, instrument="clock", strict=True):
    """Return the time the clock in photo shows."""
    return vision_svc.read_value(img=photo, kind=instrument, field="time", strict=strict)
3:28
